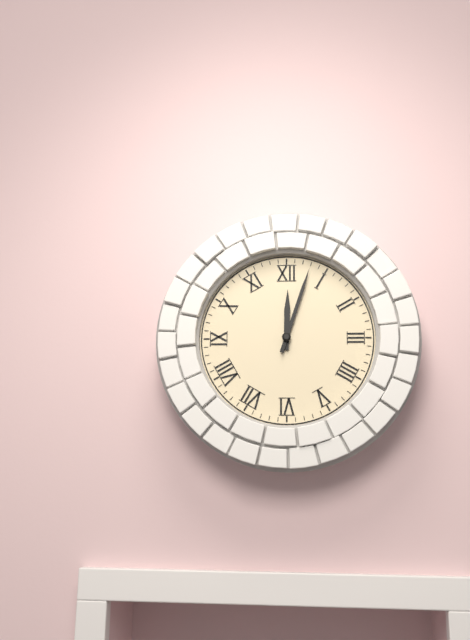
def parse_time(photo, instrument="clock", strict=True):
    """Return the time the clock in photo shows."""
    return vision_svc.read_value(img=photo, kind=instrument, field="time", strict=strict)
12:03
